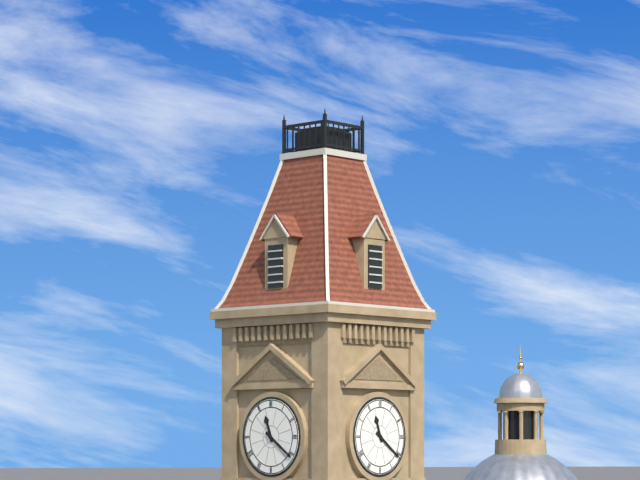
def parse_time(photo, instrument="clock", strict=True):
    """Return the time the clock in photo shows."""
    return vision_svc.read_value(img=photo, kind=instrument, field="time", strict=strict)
11:21
